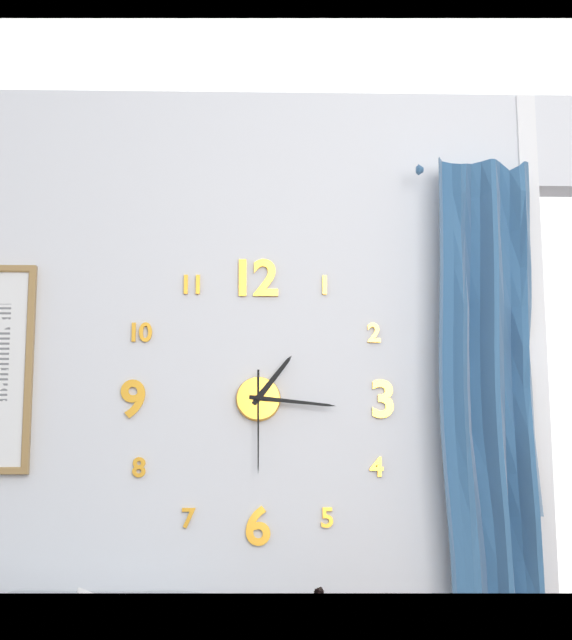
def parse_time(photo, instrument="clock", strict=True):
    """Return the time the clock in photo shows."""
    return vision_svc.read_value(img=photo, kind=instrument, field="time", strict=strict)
1:16:30
